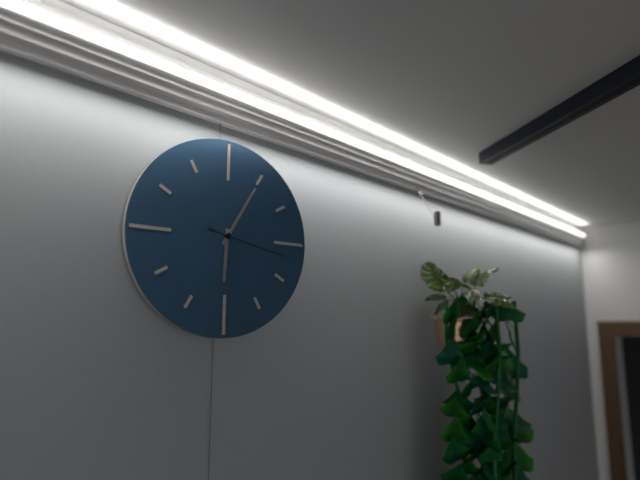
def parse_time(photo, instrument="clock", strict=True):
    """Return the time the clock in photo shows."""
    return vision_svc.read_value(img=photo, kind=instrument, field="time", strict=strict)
6:05:17
